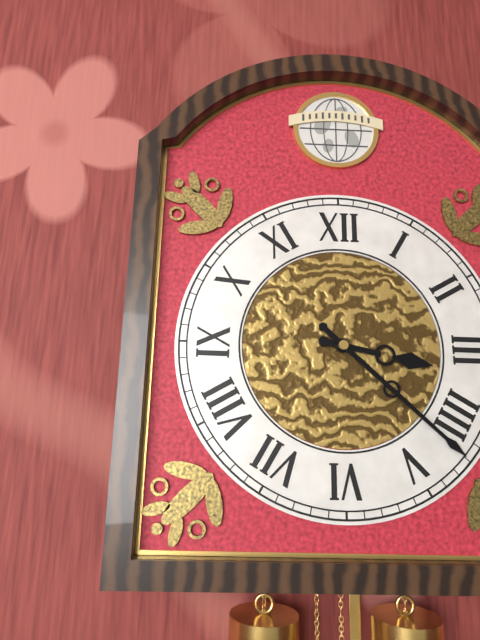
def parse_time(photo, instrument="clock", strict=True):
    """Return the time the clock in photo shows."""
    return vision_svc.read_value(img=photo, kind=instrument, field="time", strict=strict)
3:22
